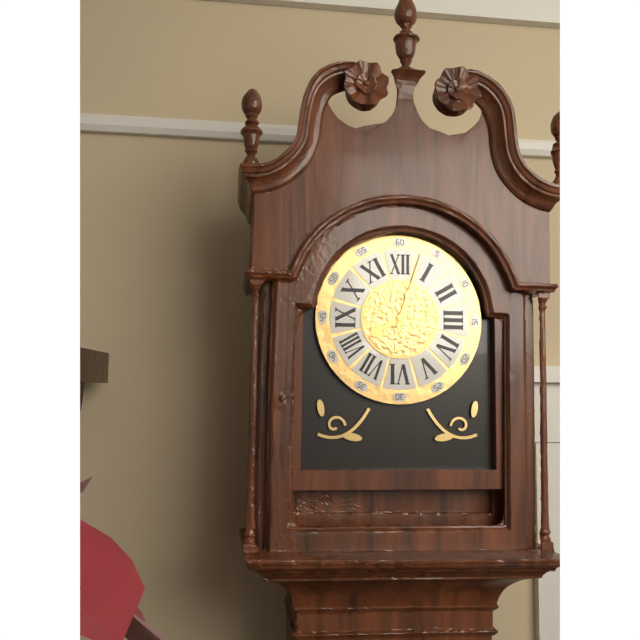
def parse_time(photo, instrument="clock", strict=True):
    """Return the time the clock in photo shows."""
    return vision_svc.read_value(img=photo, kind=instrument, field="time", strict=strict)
8:03
